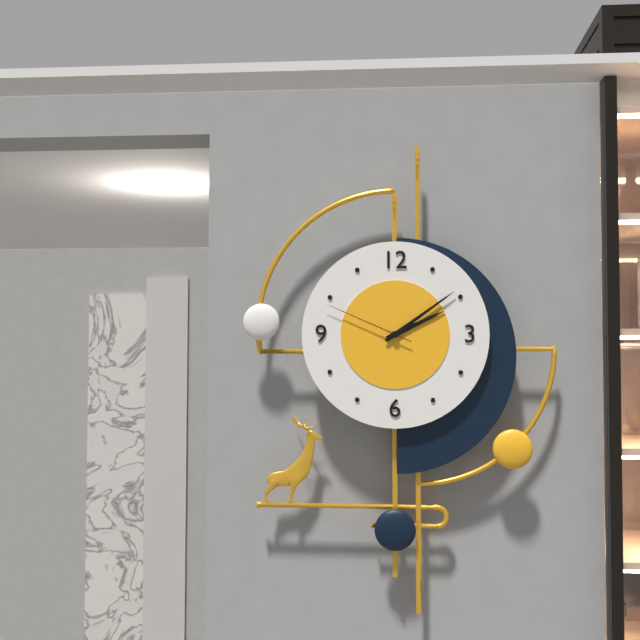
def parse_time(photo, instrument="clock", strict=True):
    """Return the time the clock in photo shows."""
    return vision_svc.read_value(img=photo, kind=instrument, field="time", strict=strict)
2:09:49
